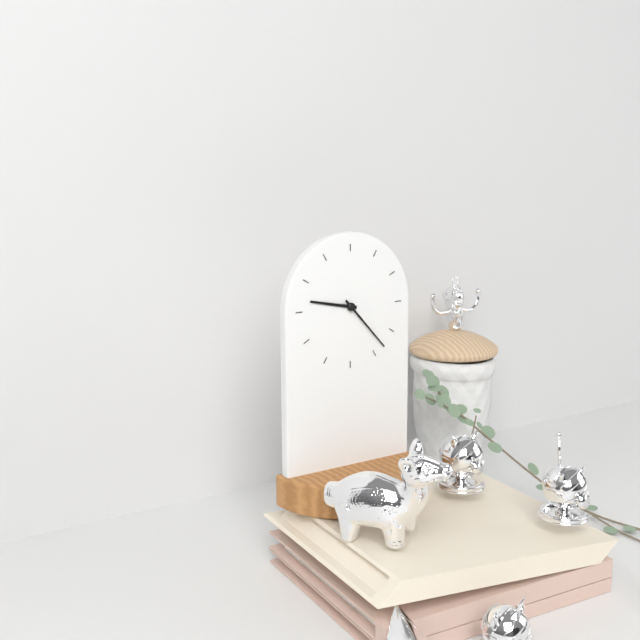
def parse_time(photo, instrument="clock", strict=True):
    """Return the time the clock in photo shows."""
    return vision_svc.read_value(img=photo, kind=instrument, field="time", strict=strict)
9:23
